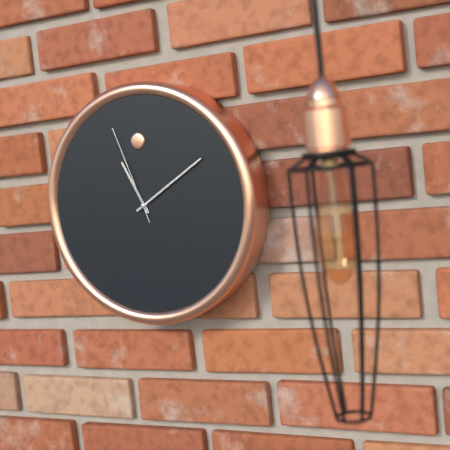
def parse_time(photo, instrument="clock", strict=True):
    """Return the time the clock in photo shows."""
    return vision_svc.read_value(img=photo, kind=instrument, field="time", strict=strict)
11:10:57
